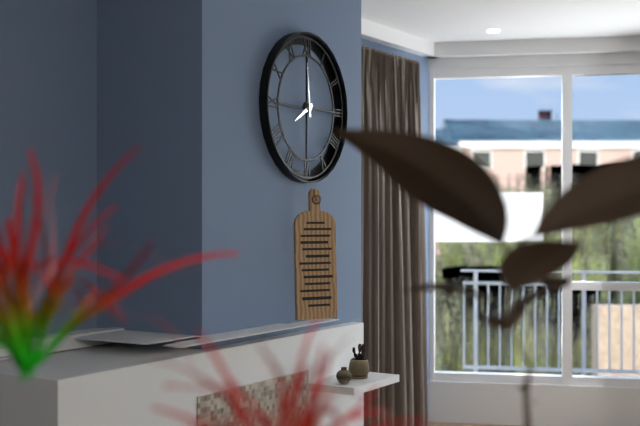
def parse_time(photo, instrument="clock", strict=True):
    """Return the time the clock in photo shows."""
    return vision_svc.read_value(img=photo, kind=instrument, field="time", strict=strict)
7:59
